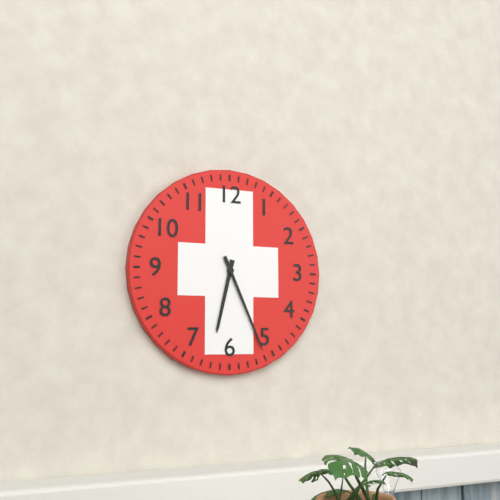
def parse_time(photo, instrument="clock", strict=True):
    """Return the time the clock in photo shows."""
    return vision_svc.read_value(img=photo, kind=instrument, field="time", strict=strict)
6:26
